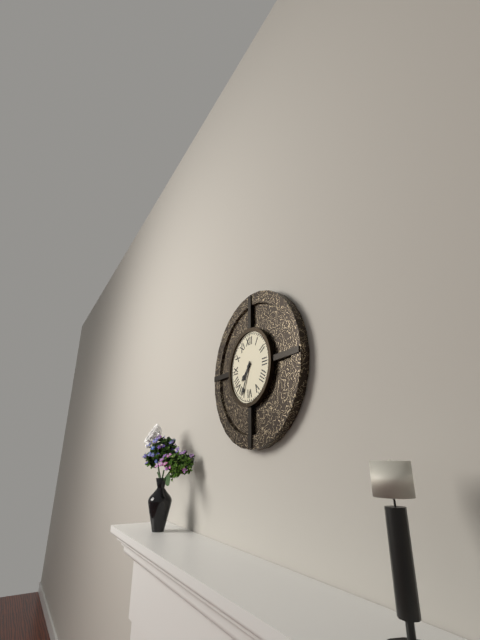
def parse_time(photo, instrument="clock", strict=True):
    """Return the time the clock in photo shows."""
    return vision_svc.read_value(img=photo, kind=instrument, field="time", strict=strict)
7:34
